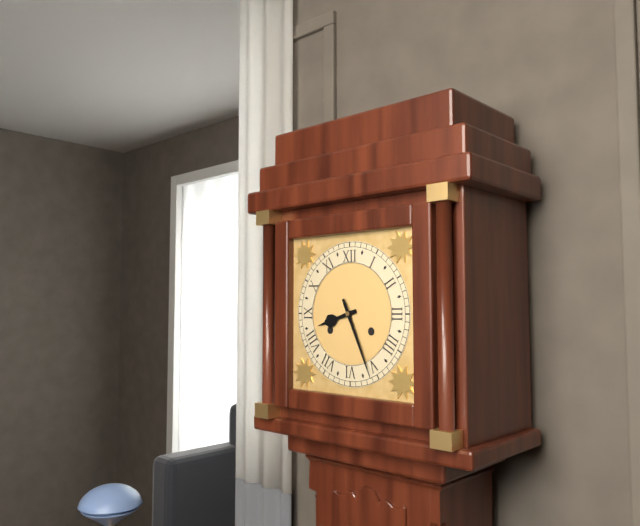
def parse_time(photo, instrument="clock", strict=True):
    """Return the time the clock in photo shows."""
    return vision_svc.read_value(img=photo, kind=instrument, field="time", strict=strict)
8:26
